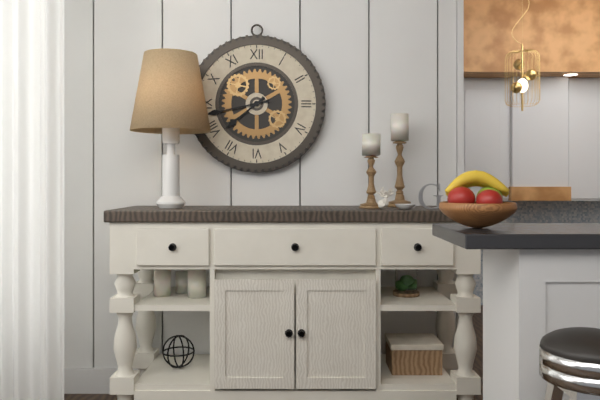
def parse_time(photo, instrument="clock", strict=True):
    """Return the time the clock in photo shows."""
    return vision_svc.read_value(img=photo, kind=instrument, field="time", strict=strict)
7:43
